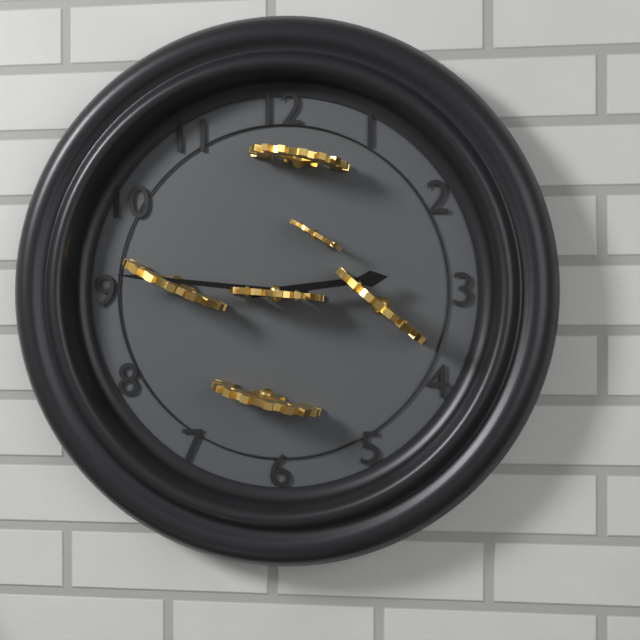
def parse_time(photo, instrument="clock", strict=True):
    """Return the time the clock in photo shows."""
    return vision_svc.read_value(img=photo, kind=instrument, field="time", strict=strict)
2:46
